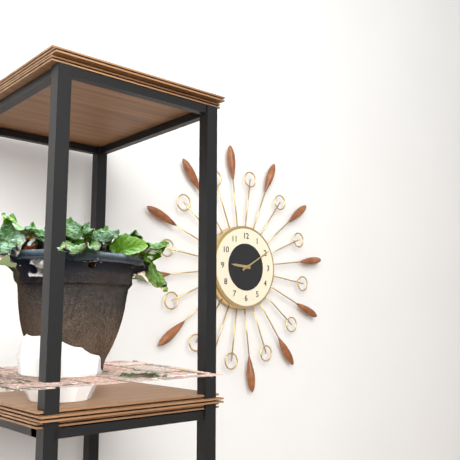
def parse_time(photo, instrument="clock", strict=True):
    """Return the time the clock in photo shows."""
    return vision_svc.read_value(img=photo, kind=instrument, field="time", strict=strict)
9:10
